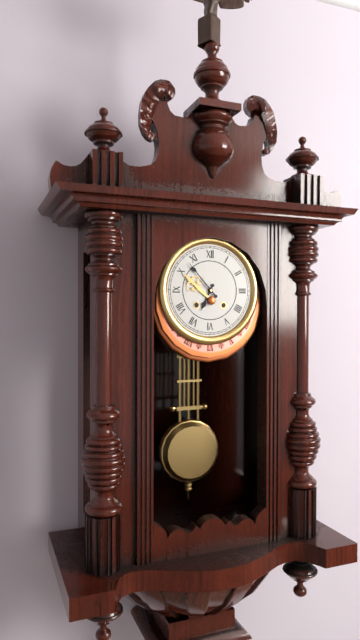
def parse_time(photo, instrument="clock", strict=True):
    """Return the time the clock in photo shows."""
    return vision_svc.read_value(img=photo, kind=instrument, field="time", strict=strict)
6:53
